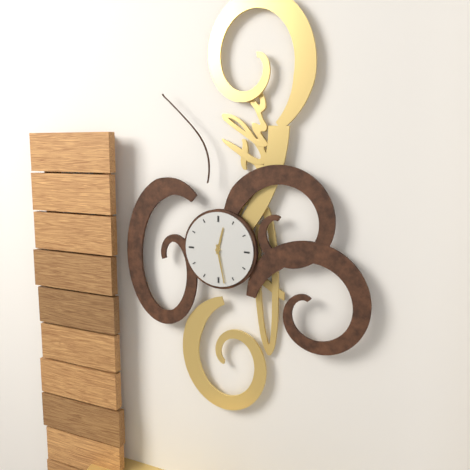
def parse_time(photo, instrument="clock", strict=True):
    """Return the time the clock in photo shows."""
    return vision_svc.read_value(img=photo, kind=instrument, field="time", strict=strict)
12:28
